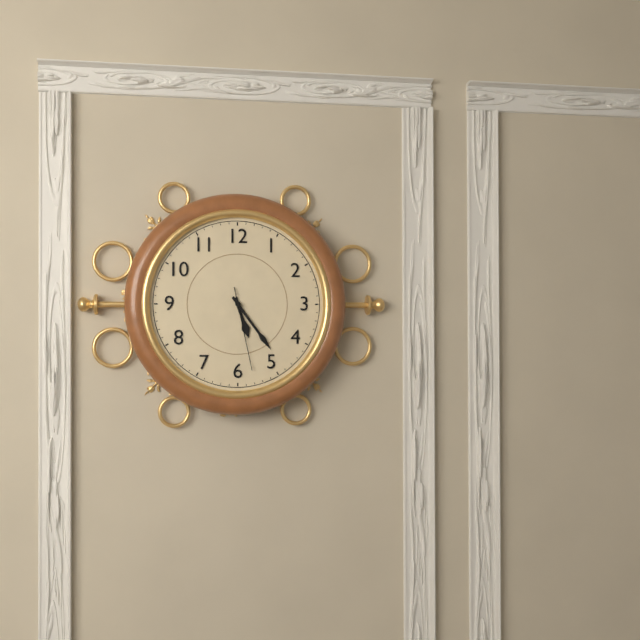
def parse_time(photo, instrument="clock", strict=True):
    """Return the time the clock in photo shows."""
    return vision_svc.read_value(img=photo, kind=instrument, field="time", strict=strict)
5:24:28
